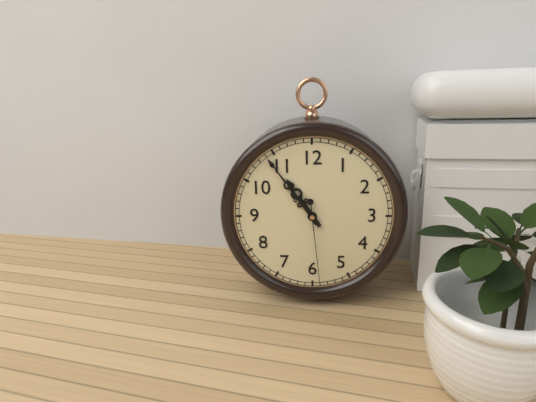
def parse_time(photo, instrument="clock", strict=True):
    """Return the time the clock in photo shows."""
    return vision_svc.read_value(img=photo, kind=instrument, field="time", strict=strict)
10:54:29
